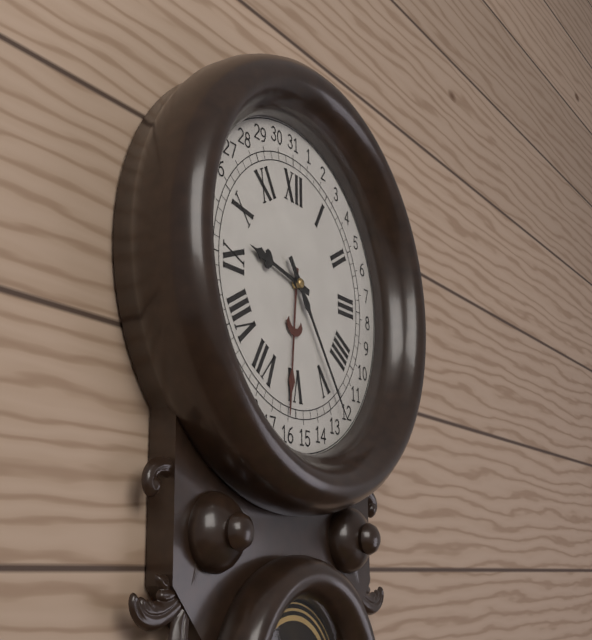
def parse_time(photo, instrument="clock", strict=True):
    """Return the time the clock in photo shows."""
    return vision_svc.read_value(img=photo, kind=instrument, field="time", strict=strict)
9:24
